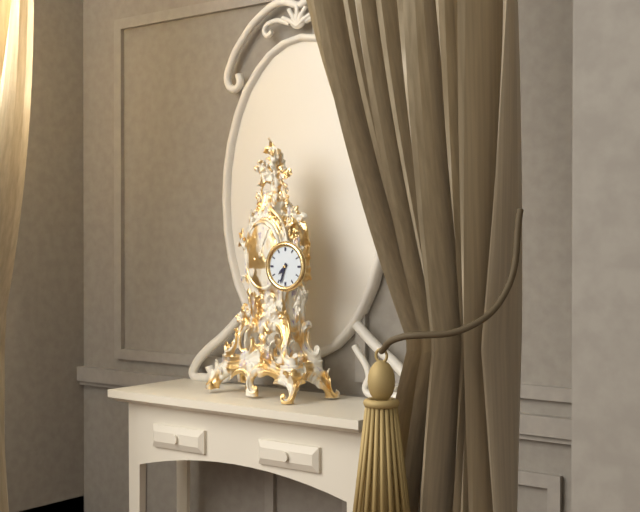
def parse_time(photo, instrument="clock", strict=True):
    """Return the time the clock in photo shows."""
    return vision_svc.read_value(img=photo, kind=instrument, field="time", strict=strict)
7:33
